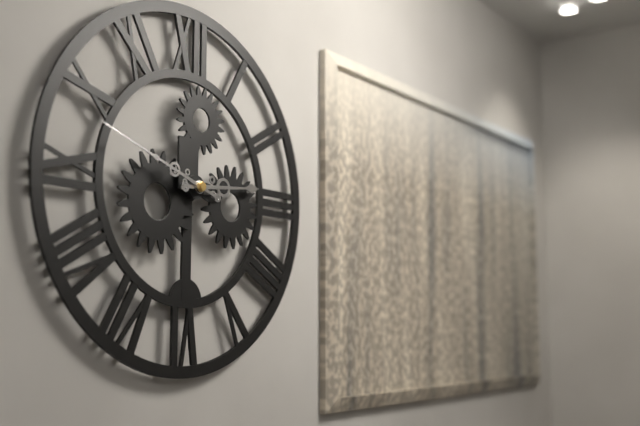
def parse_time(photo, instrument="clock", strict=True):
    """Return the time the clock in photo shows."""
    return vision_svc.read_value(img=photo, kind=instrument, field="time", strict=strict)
2:48
